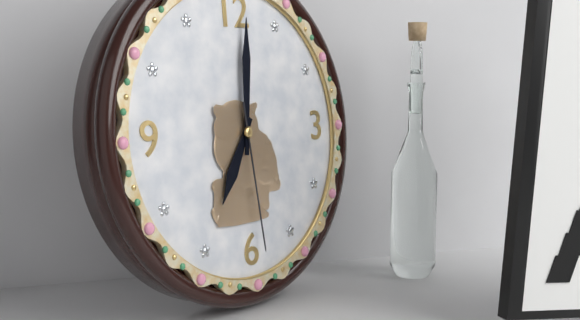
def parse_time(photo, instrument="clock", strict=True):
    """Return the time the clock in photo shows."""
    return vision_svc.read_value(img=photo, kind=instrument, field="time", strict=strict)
7:01:29
